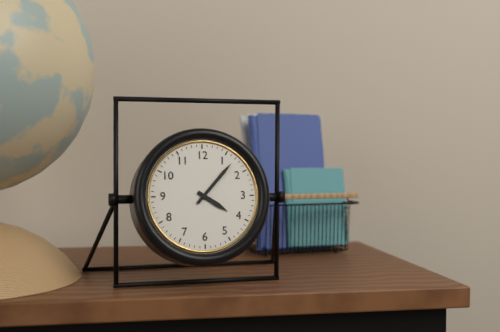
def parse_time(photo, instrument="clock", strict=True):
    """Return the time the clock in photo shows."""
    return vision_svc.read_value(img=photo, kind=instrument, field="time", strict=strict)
4:07
